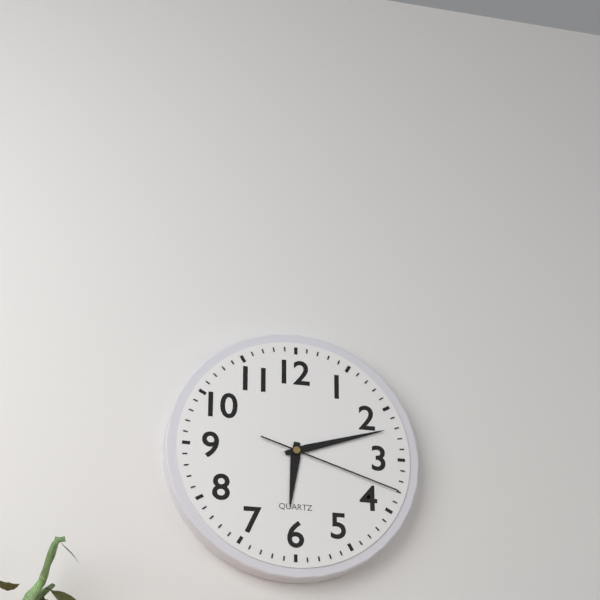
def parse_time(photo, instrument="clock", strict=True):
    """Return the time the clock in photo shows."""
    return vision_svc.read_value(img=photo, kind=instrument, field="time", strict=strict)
6:12:18
